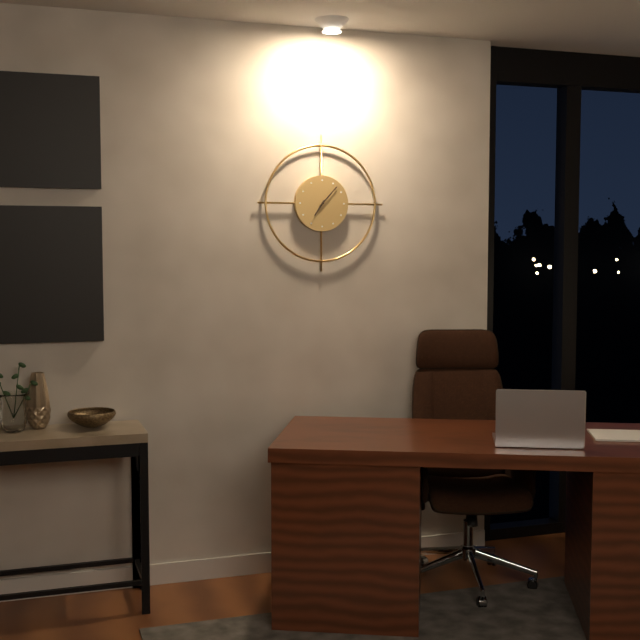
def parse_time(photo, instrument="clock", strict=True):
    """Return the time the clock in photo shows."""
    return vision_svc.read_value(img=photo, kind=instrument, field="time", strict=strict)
7:07
